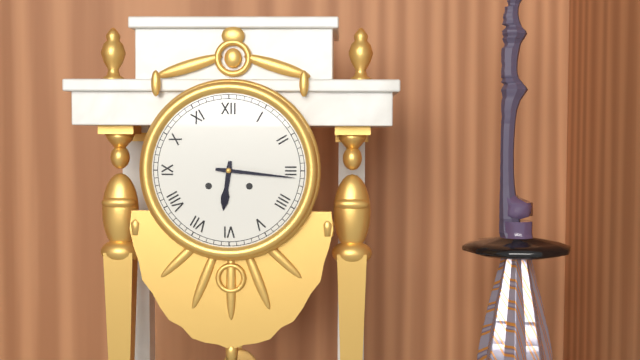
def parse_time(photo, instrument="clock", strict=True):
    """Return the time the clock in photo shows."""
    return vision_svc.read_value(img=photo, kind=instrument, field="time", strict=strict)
6:16
